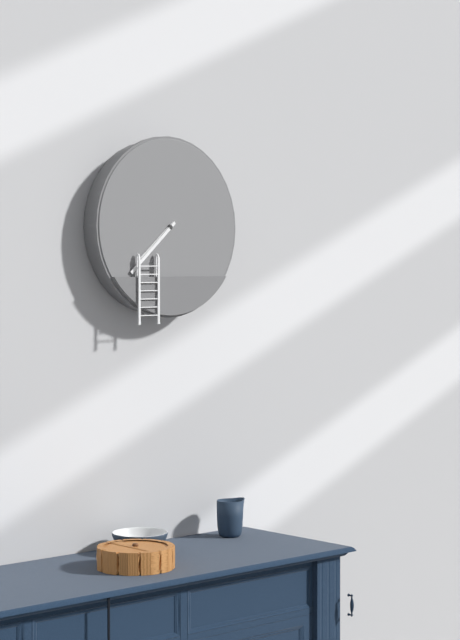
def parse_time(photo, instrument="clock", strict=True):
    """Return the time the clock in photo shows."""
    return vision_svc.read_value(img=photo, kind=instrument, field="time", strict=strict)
7:38
